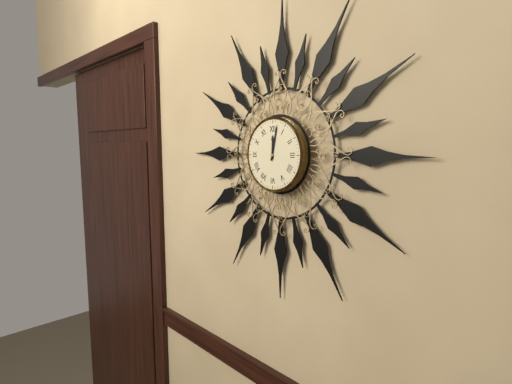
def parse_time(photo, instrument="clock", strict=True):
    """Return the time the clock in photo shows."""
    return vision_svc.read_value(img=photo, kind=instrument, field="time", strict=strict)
12:02
